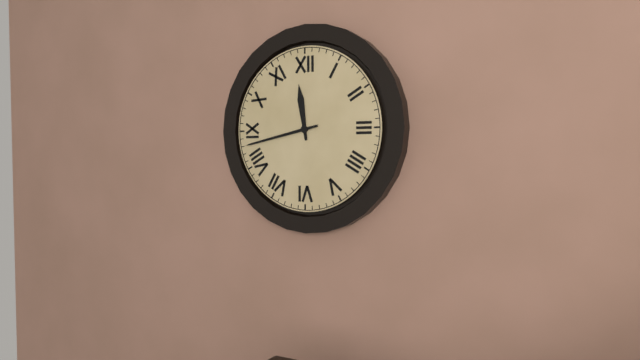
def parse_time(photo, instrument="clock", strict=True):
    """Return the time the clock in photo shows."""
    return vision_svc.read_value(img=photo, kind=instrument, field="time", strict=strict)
11:43
